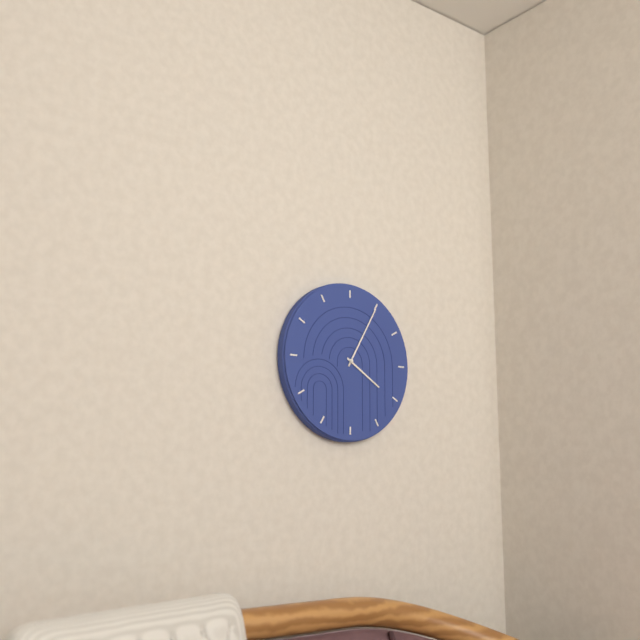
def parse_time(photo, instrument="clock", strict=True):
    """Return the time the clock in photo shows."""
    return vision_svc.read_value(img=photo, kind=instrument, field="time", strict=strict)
4:05
